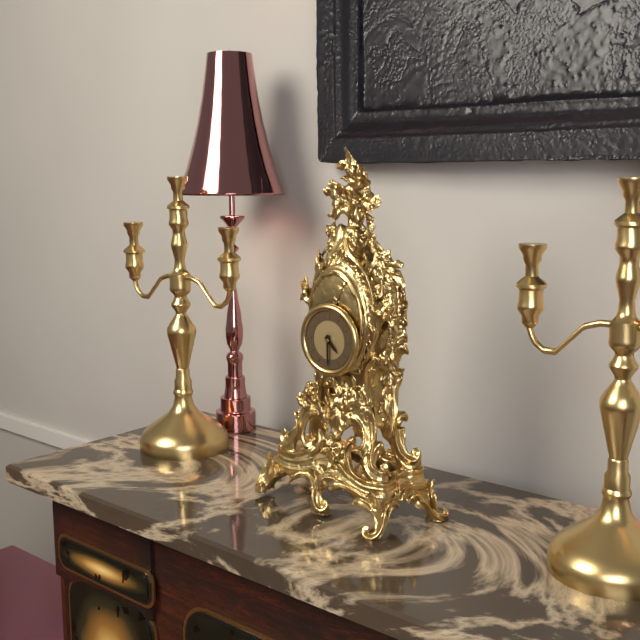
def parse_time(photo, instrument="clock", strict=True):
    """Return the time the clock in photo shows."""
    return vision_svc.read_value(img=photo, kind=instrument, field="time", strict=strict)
4:30
